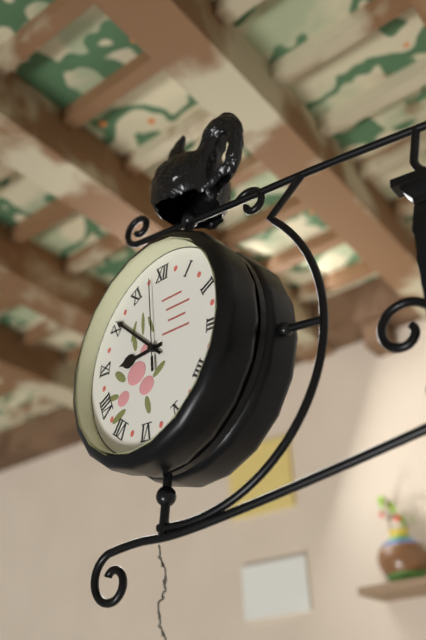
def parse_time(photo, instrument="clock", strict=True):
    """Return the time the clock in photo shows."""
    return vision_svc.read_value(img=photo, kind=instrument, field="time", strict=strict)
8:51:58
